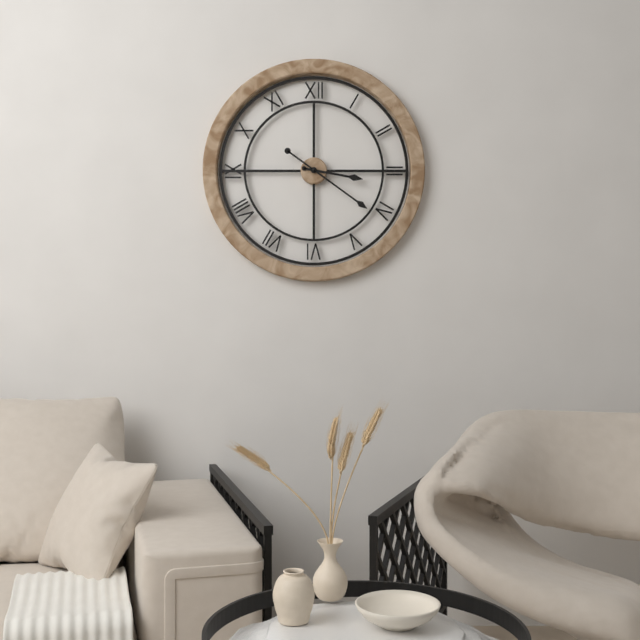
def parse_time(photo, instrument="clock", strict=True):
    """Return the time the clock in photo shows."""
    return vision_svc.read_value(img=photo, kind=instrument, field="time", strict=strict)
3:21
